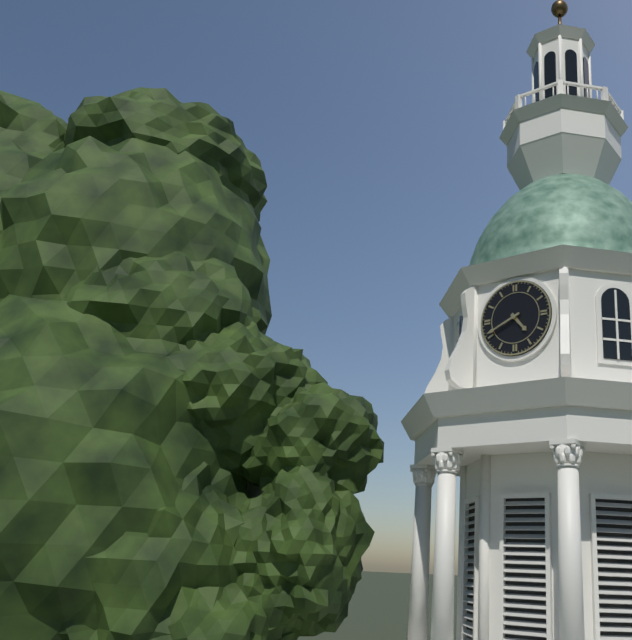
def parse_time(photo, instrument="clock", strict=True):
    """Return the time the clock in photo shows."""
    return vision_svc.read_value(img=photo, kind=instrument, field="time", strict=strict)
4:41
